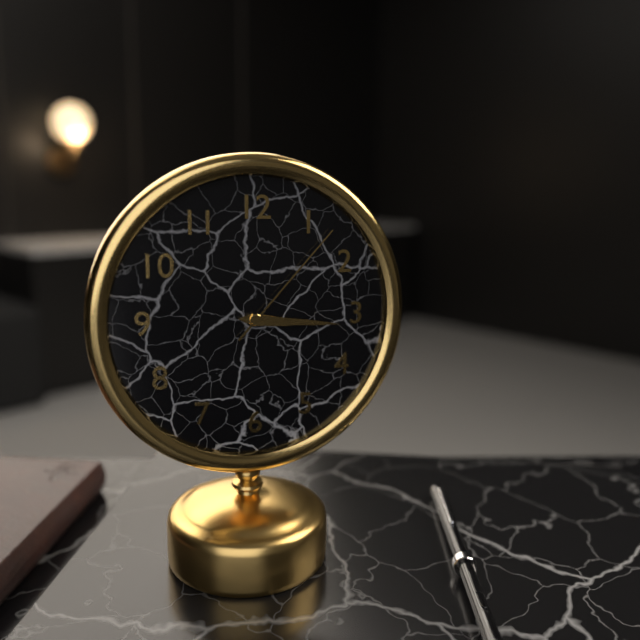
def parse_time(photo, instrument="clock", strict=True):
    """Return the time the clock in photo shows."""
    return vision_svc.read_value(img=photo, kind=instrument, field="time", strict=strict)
3:16:07
